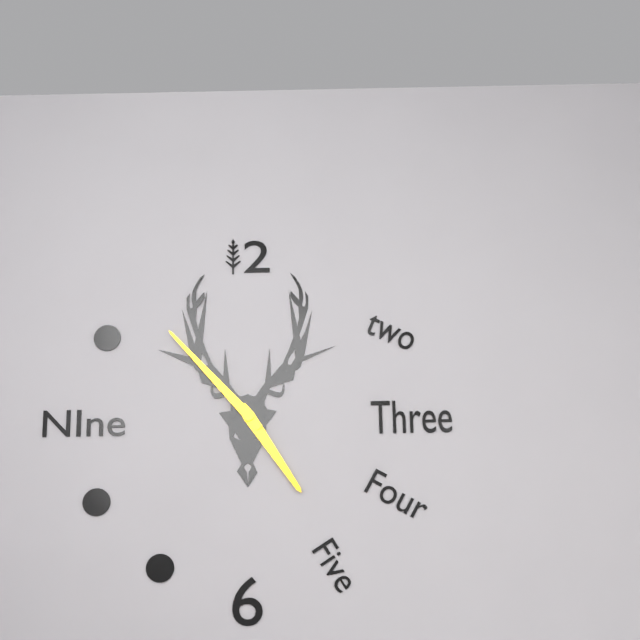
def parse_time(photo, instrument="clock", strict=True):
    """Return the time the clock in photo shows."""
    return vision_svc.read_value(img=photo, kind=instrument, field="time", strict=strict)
4:53
